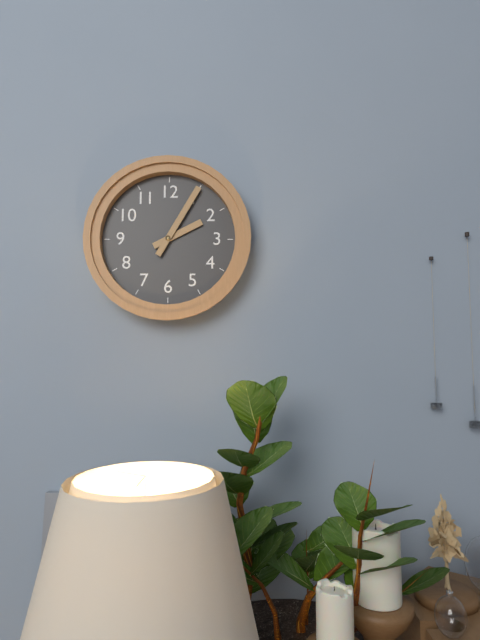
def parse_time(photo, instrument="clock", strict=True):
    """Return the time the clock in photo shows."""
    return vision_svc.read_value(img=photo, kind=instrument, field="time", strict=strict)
2:05
